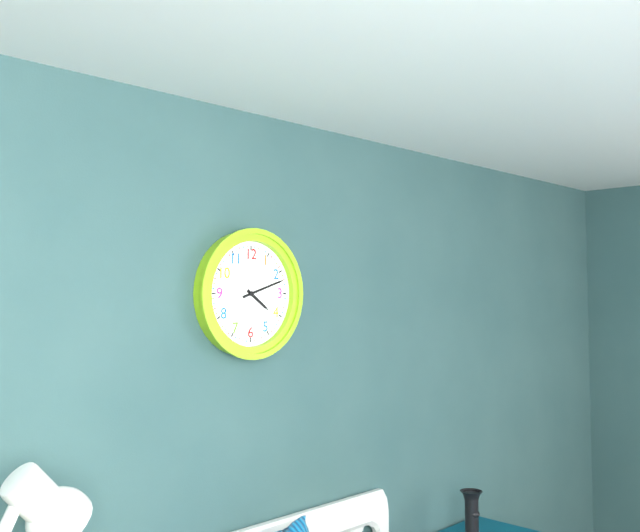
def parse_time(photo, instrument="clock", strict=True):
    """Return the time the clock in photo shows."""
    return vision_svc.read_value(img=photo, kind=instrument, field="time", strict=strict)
4:12
